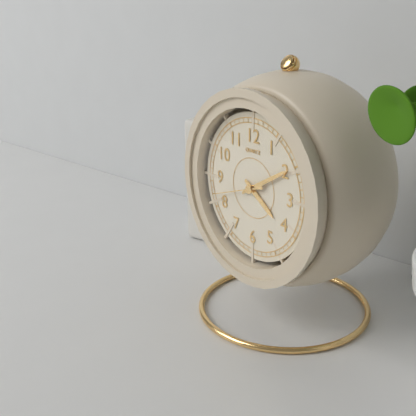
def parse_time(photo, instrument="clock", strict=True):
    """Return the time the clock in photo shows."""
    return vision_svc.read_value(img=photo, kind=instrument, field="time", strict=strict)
4:10
